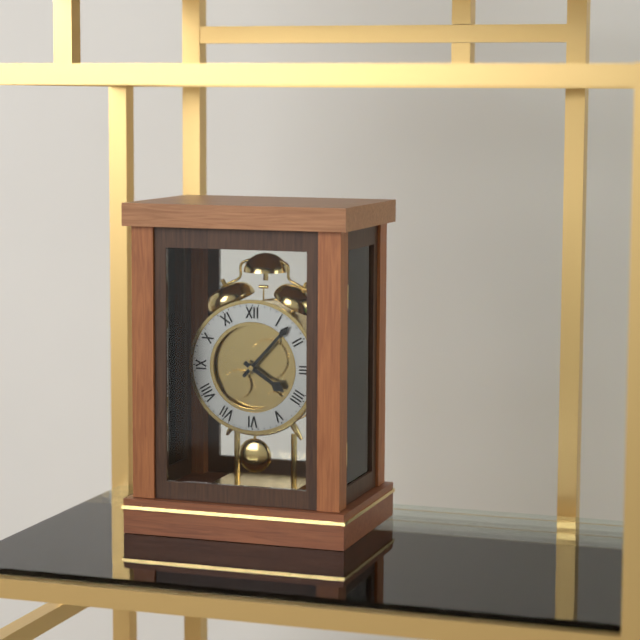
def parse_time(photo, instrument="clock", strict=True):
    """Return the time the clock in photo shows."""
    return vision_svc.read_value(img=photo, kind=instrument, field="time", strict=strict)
4:07
